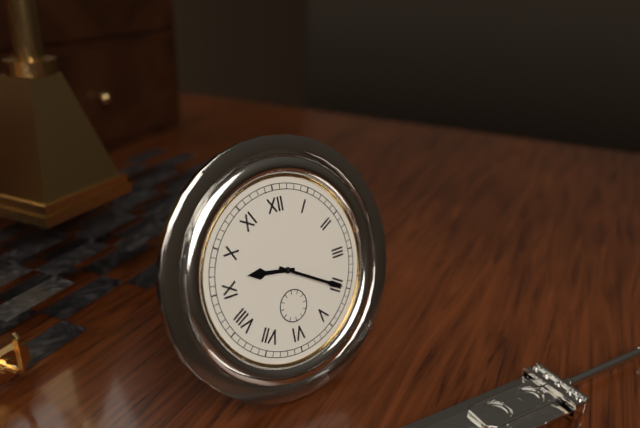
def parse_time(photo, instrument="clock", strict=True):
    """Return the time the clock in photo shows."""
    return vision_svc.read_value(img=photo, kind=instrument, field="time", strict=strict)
9:20
